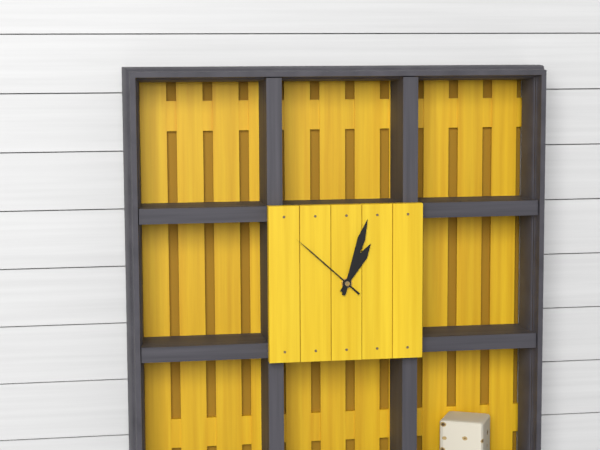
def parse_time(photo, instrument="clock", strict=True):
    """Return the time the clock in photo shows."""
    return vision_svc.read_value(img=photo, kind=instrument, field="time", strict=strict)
1:03:52
